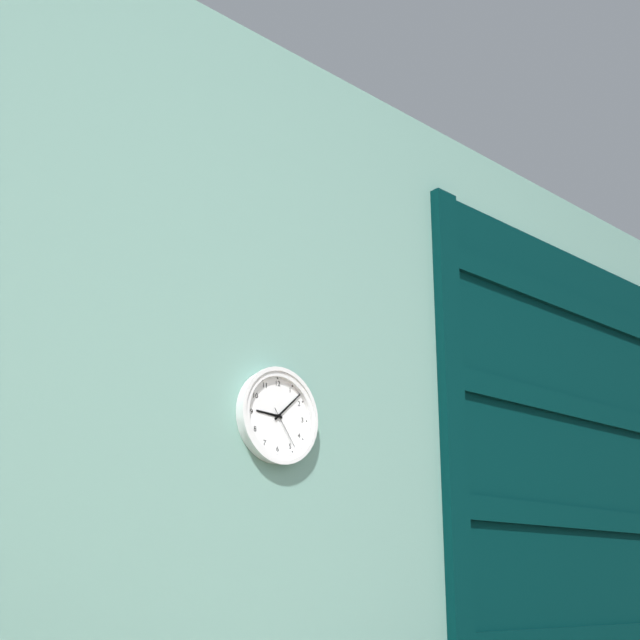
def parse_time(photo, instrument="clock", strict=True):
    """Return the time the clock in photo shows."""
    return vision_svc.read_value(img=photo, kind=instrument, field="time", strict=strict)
9:08
